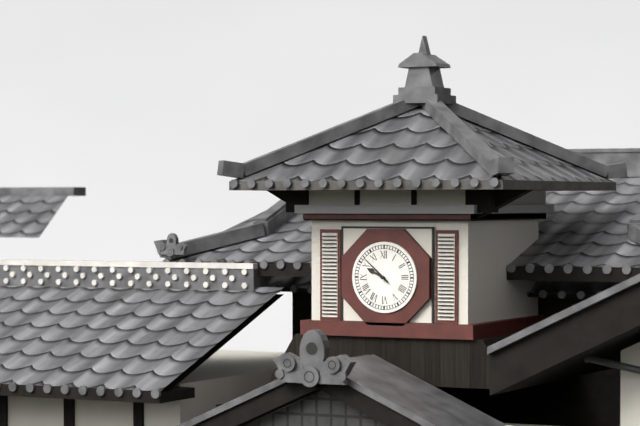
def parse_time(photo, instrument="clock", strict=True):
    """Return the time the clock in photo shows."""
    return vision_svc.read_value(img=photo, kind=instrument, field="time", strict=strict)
9:52
